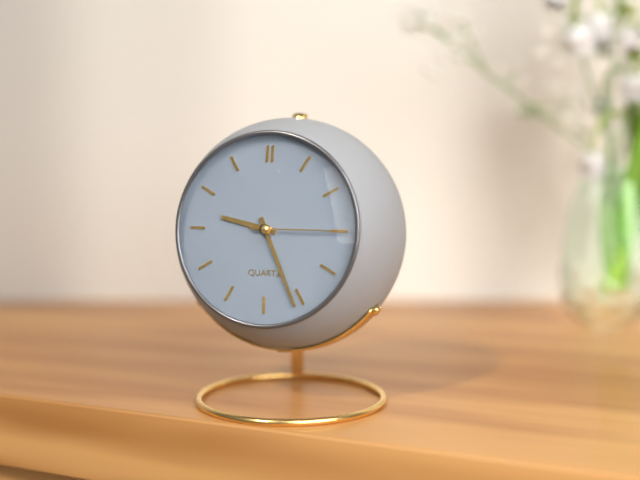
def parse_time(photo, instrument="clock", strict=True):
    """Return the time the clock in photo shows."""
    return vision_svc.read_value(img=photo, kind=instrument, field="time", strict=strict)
9:26:15
